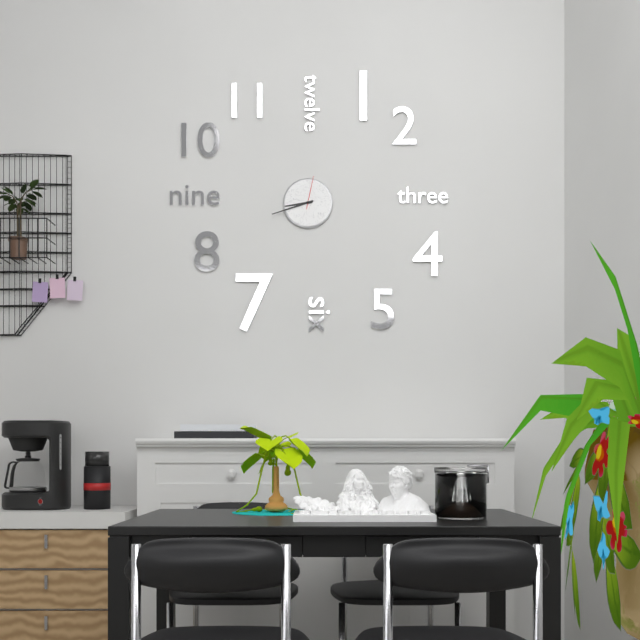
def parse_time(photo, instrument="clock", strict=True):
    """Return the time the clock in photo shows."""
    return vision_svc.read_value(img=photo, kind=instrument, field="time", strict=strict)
8:42
